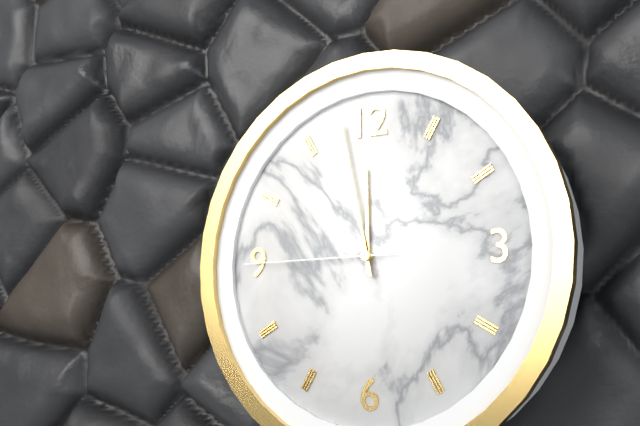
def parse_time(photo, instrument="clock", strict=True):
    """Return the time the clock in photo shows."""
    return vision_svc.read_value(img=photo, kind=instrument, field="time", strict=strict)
11:58:45
